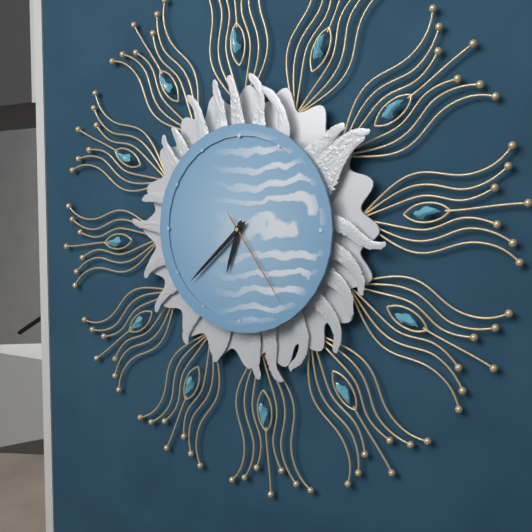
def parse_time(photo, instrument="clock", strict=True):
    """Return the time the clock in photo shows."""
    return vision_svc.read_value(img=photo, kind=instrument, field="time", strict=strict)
6:38:24
